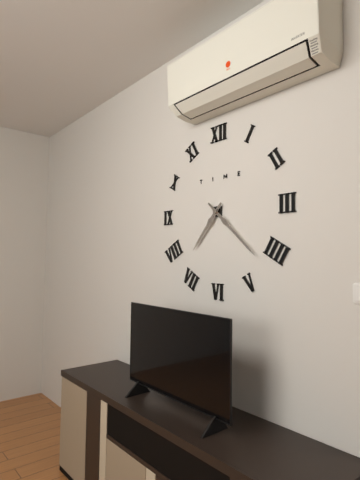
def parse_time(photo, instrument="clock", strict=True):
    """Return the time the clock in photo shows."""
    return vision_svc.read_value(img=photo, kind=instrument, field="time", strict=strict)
7:22
